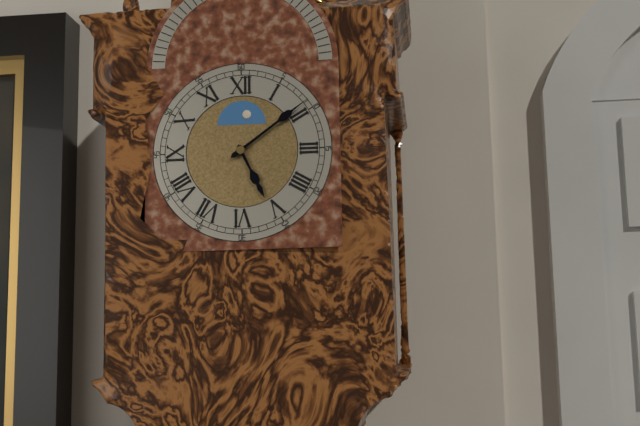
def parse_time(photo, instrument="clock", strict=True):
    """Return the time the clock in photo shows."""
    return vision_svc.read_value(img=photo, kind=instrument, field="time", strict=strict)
5:09
